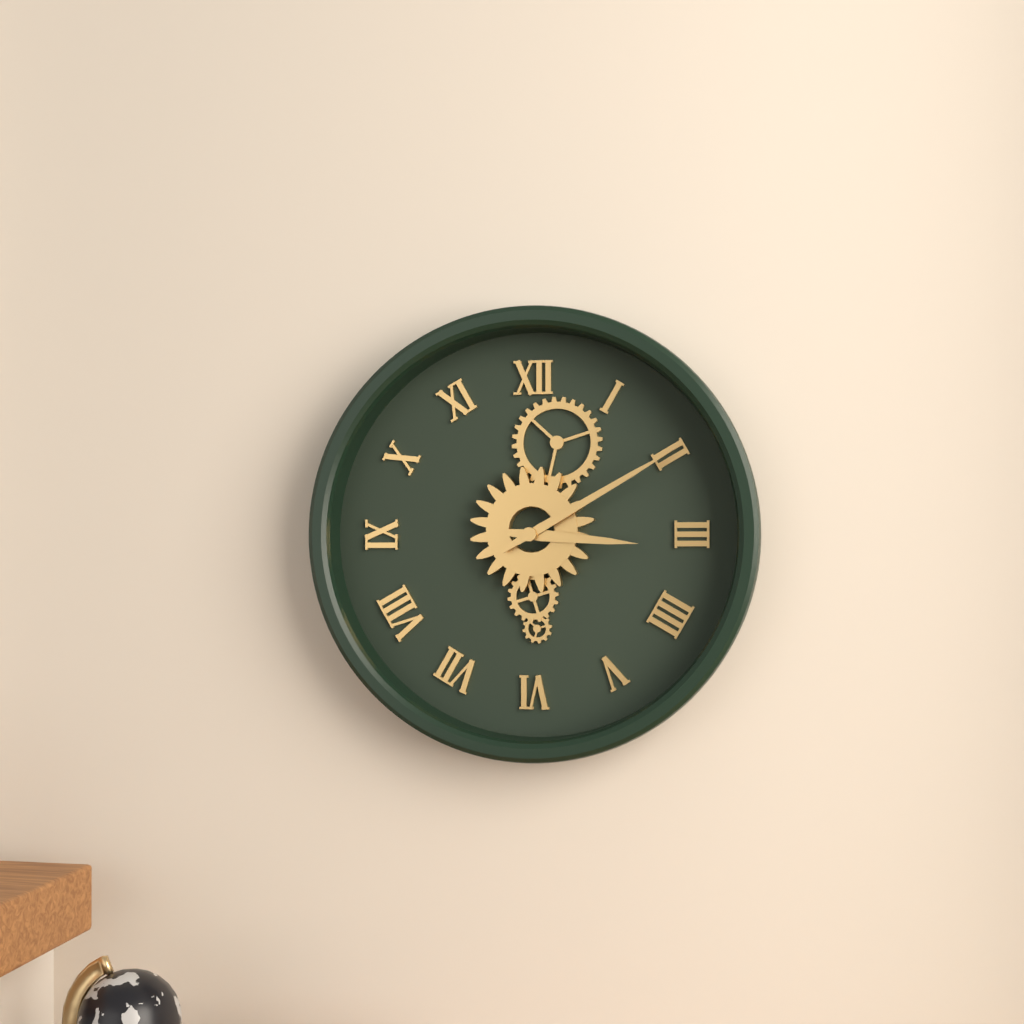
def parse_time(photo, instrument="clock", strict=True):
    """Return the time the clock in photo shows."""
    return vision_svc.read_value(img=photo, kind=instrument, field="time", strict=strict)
3:10
